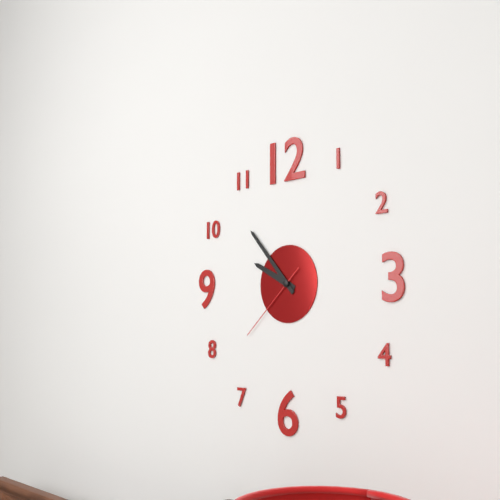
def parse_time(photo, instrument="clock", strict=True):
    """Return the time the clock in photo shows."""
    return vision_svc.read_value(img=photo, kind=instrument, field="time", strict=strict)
9:53:38
